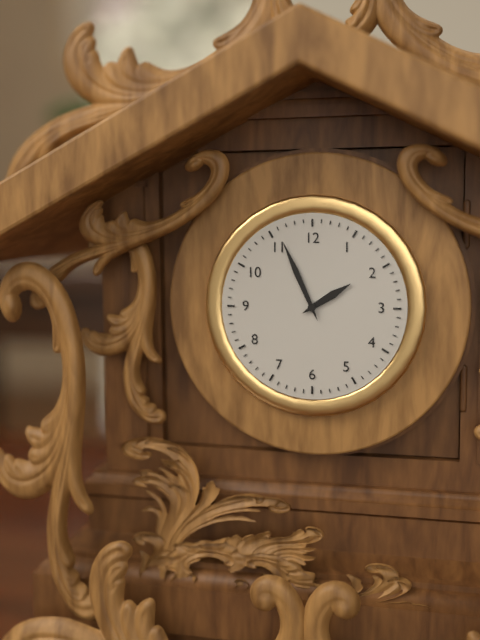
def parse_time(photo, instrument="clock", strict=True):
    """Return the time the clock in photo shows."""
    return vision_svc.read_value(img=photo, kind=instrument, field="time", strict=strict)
1:56
